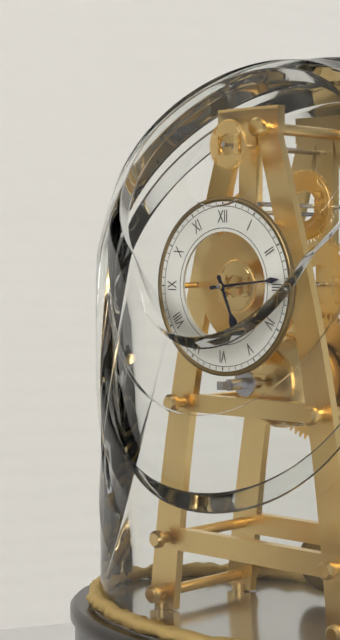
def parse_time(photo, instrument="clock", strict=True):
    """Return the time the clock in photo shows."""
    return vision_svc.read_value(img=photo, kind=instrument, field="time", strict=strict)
5:14
